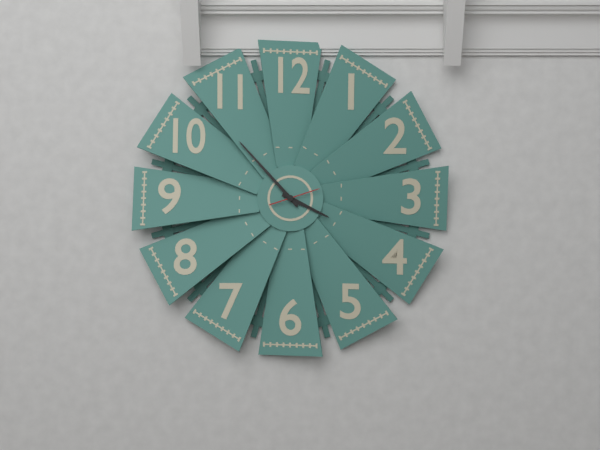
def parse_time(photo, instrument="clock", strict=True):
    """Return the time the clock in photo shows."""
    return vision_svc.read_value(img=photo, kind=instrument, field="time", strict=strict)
3:53
